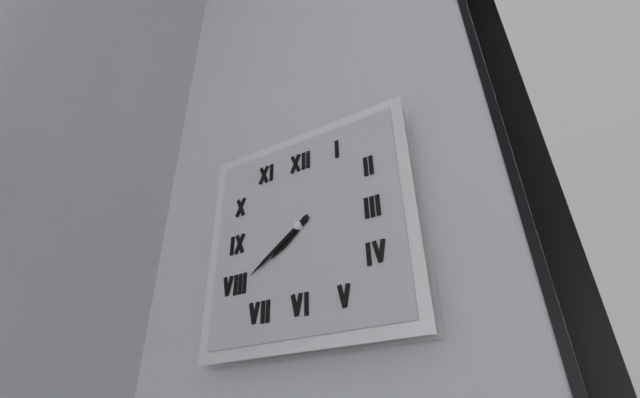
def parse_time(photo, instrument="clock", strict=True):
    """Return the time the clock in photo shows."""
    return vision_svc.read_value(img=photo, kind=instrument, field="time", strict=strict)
7:39
